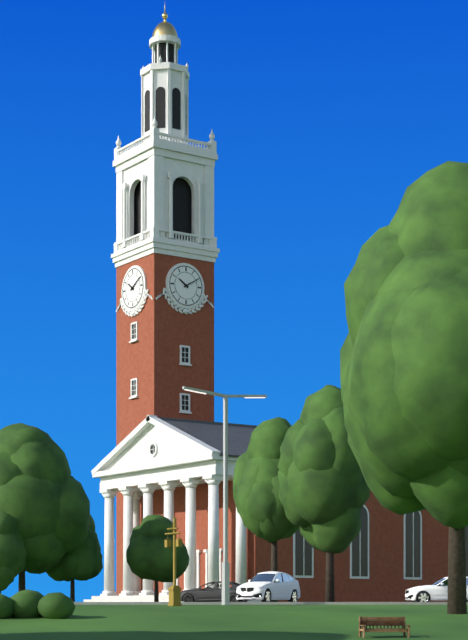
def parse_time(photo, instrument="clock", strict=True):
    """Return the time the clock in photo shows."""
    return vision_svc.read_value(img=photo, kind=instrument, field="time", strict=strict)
10:10
